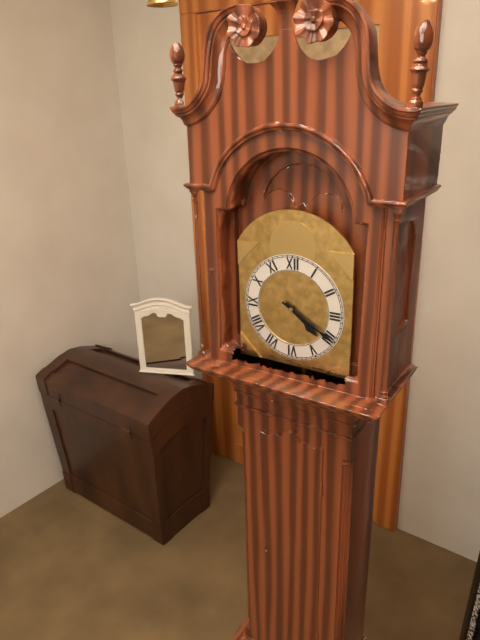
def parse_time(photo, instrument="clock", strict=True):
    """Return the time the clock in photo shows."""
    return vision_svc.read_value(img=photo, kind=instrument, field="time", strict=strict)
4:20
